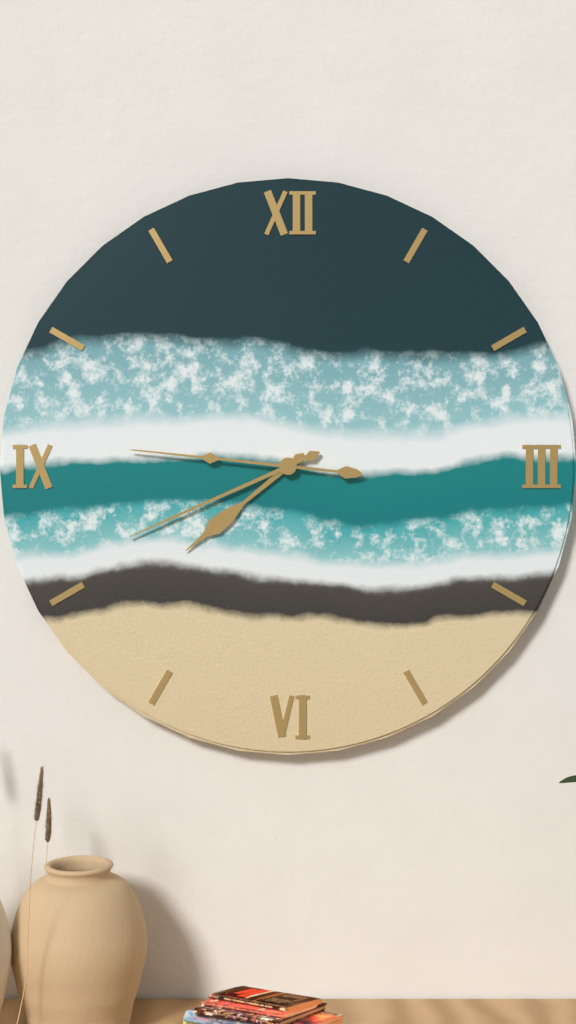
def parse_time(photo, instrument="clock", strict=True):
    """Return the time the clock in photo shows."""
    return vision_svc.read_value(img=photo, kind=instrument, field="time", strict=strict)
7:41:46
